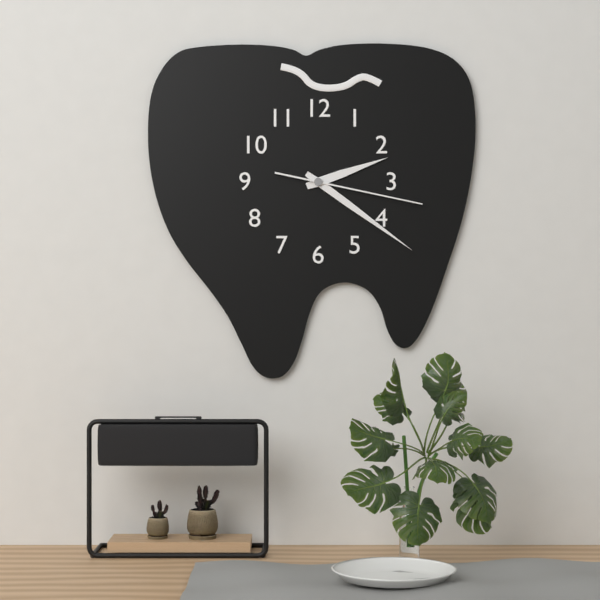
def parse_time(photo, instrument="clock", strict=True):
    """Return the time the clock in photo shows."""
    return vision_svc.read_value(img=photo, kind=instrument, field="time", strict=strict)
2:21:17
